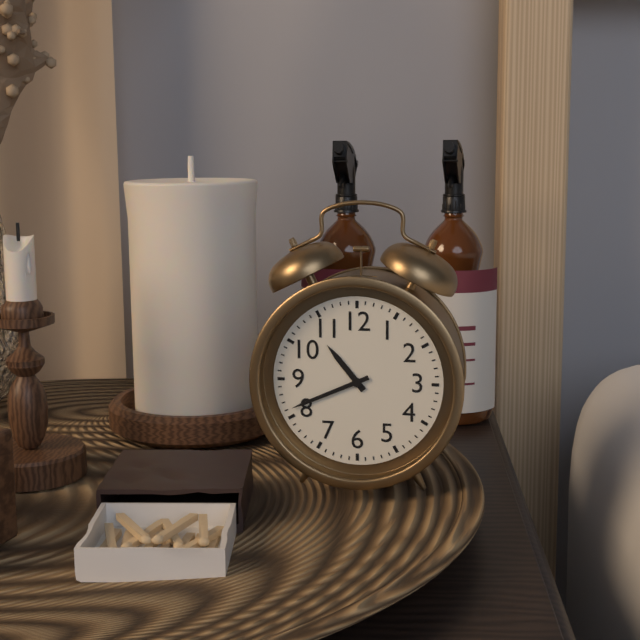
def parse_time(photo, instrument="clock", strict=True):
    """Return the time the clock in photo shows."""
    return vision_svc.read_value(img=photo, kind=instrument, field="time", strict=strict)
10:41
